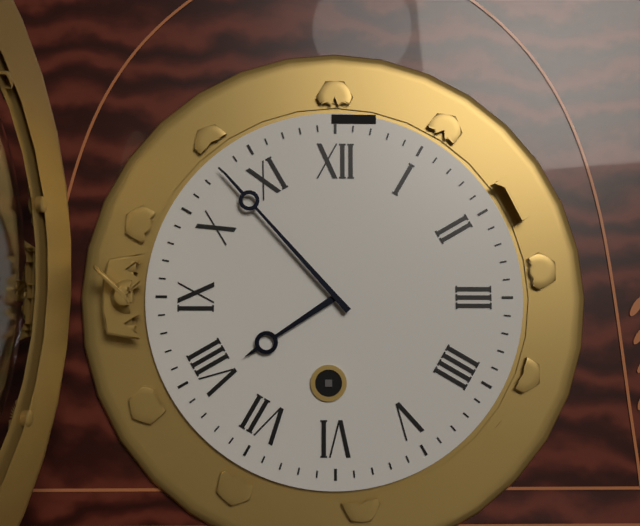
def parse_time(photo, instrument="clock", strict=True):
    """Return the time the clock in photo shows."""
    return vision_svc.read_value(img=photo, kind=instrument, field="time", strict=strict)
7:53
